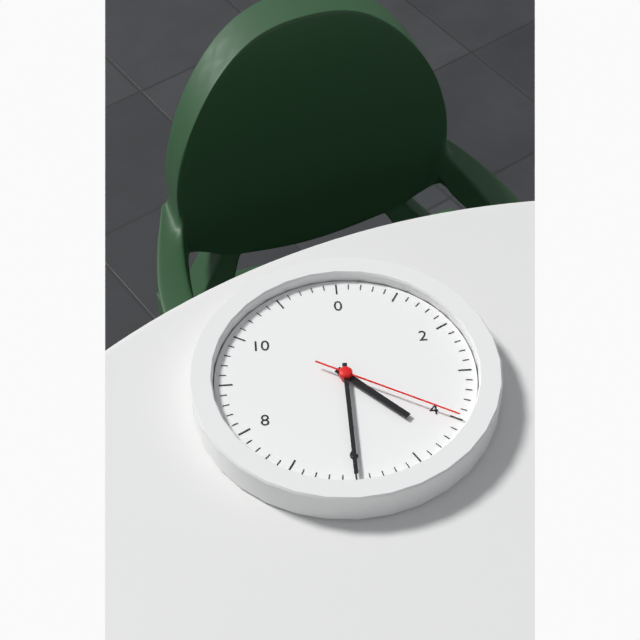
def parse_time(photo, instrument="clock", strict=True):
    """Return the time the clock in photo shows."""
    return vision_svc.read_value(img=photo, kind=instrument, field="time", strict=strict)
4:30:20
